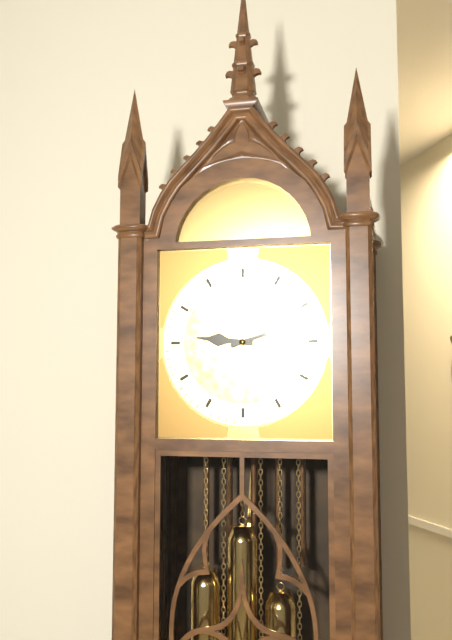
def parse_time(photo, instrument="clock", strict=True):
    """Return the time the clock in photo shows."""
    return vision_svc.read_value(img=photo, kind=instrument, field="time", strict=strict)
9:12
